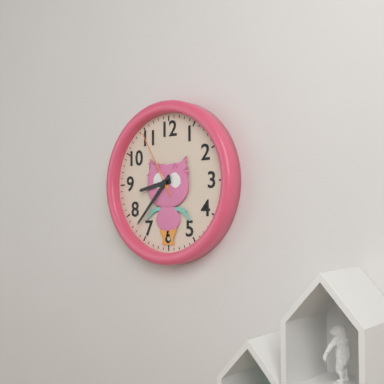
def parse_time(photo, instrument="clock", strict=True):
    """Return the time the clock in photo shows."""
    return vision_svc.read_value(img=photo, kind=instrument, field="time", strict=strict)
8:37:55
